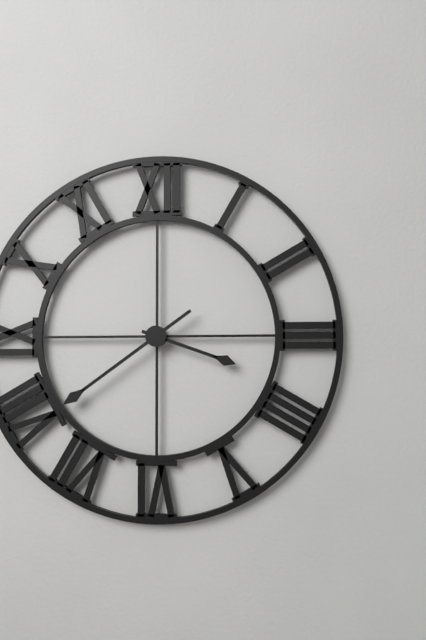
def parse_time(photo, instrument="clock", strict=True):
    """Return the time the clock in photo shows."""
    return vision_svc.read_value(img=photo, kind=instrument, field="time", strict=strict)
3:39
